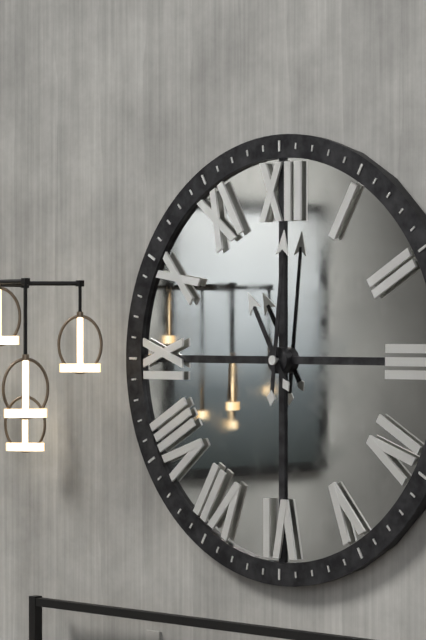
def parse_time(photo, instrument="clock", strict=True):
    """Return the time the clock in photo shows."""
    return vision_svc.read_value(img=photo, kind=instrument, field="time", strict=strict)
11:01
